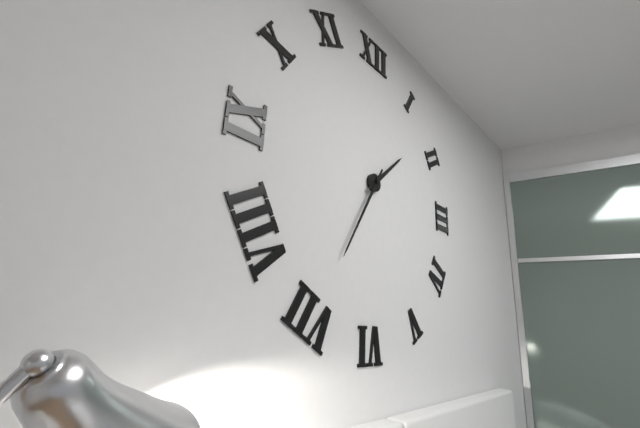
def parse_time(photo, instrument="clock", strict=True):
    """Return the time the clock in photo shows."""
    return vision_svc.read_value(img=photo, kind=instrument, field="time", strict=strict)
1:35
